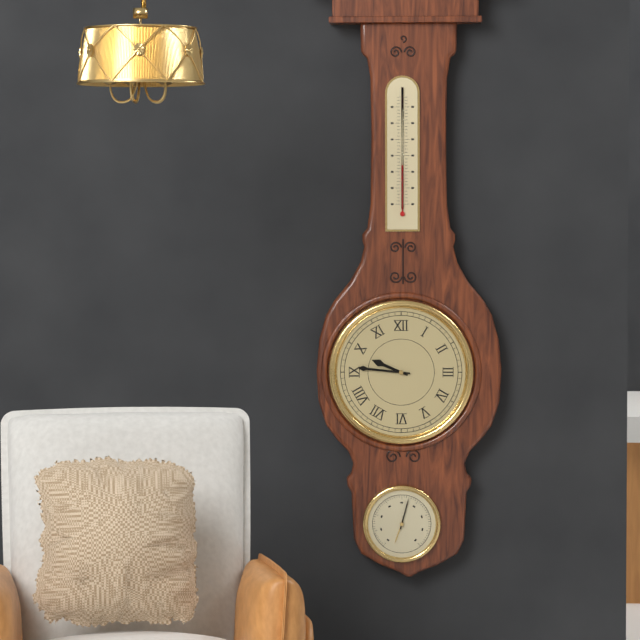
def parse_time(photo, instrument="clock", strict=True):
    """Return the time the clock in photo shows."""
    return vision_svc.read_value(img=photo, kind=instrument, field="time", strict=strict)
9:46
